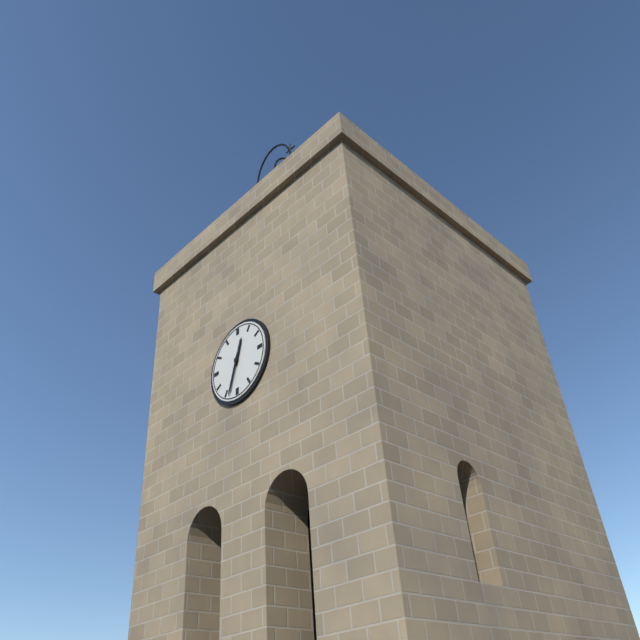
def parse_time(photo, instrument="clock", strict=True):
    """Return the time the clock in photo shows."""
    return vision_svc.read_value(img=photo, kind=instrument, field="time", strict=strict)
12:33
